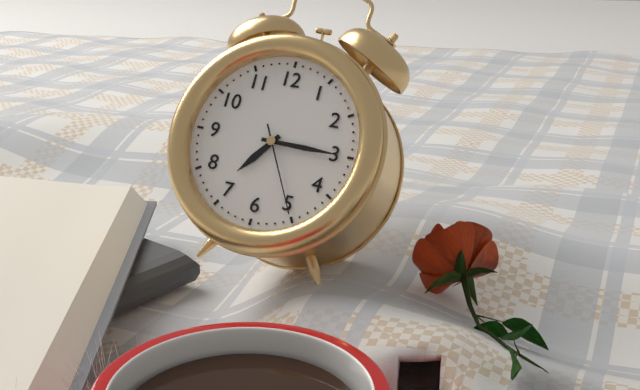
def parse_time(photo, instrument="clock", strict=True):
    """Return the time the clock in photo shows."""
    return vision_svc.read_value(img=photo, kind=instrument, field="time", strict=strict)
7:15:25
